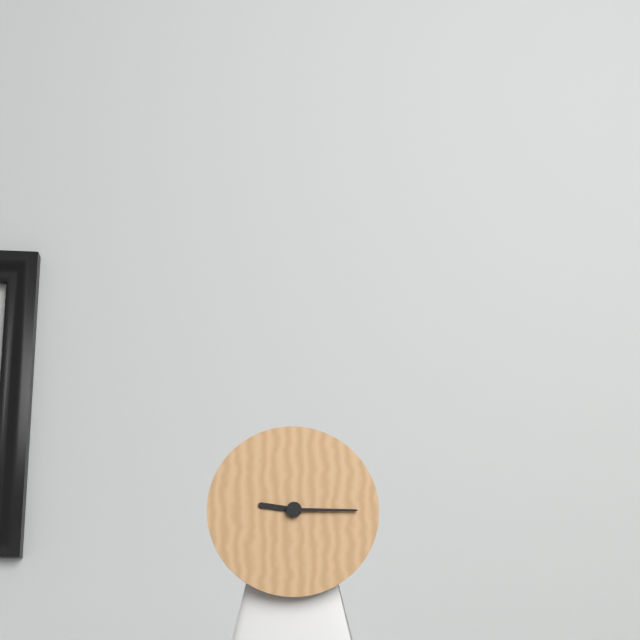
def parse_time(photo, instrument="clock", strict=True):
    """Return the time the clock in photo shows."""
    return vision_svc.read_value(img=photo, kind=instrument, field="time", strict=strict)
9:15
